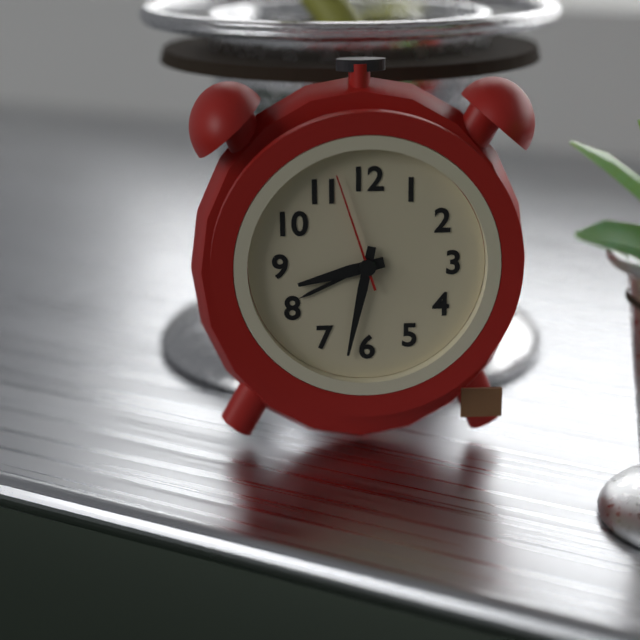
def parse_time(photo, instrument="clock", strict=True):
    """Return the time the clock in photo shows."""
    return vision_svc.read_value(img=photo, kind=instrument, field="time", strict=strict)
8:32:57
